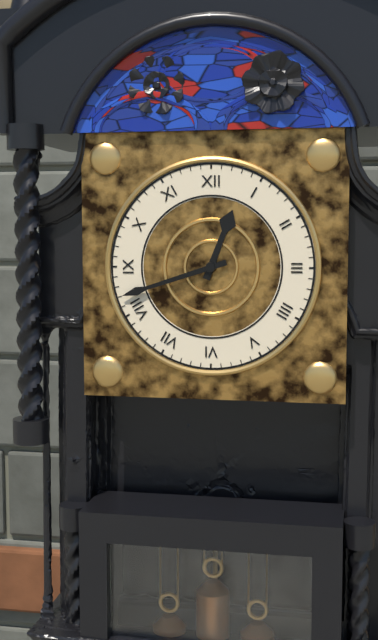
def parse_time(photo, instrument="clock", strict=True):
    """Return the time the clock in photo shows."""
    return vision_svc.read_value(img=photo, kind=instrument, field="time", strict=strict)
12:42
